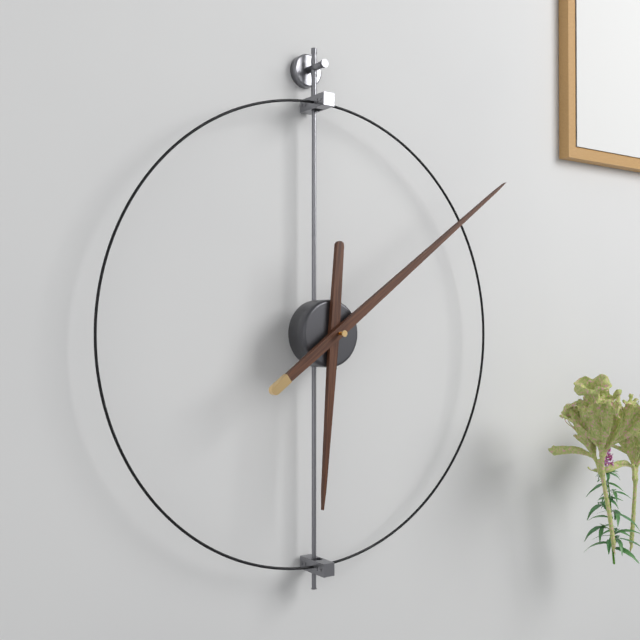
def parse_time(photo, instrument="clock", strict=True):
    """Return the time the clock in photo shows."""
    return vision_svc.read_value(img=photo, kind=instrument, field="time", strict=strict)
6:09
